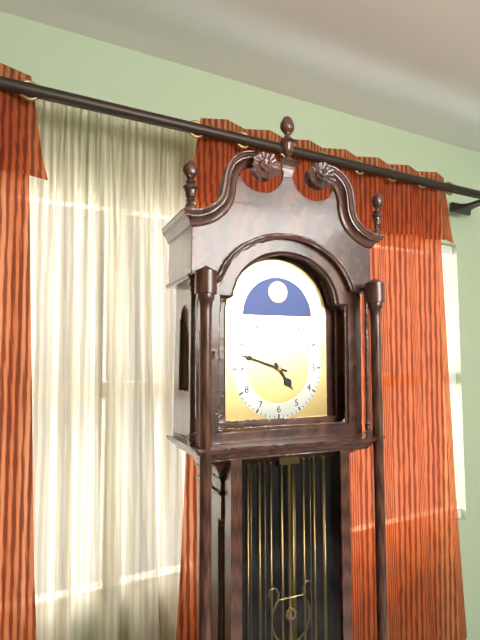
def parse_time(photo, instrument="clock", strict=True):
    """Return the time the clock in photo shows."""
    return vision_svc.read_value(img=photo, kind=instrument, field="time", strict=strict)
4:48
